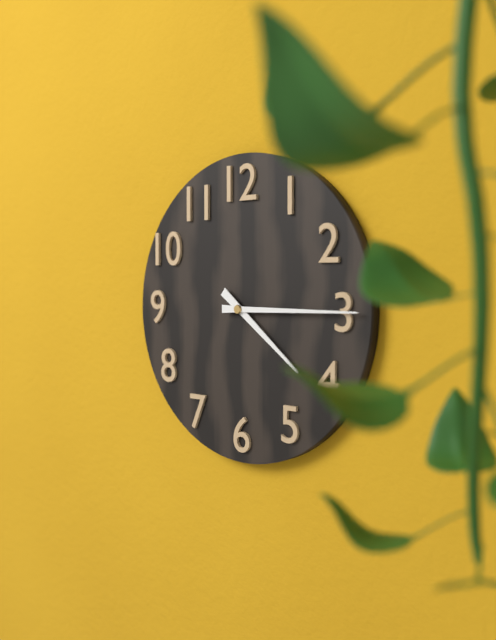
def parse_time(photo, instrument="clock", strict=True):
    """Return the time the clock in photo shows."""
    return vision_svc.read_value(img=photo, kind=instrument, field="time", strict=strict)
4:15
